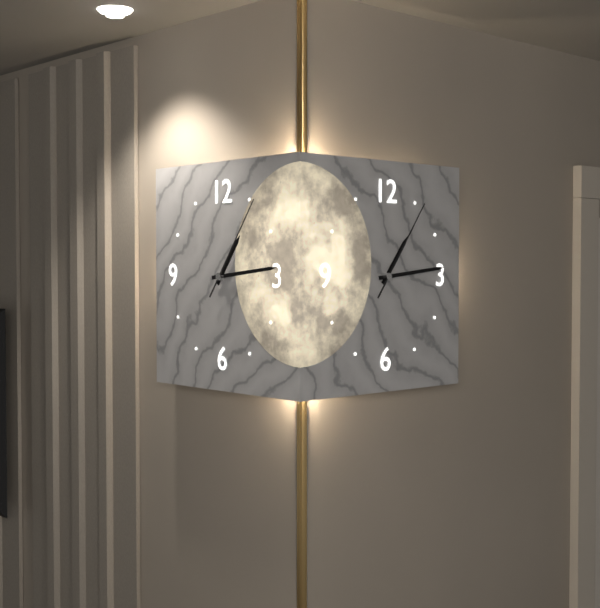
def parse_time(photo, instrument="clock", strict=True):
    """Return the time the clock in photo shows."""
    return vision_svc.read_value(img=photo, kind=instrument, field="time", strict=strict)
1:14:06
